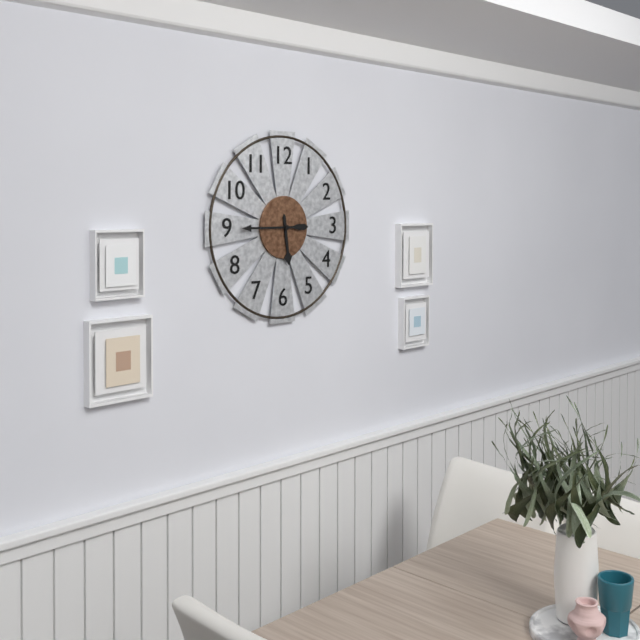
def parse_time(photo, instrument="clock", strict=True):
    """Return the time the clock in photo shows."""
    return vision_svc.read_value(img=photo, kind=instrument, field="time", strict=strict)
5:45
